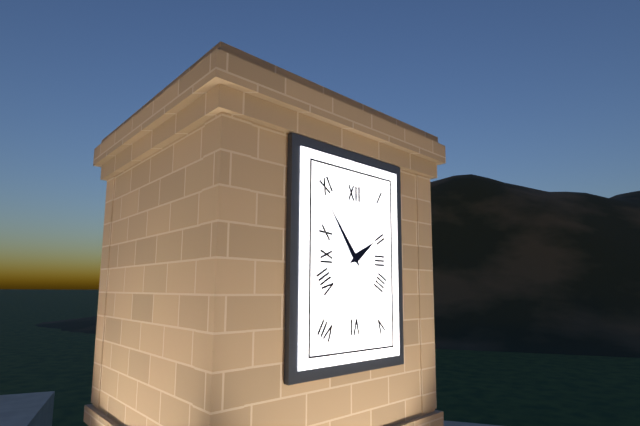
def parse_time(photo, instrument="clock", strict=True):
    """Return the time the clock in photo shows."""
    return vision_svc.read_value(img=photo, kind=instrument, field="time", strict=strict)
1:54
